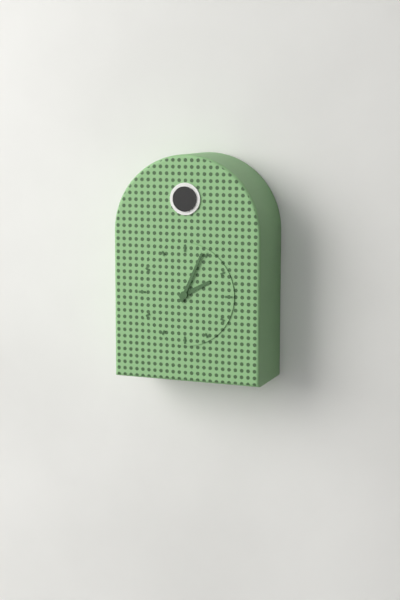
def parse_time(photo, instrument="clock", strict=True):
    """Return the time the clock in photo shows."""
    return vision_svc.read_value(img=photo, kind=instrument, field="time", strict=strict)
2:04
